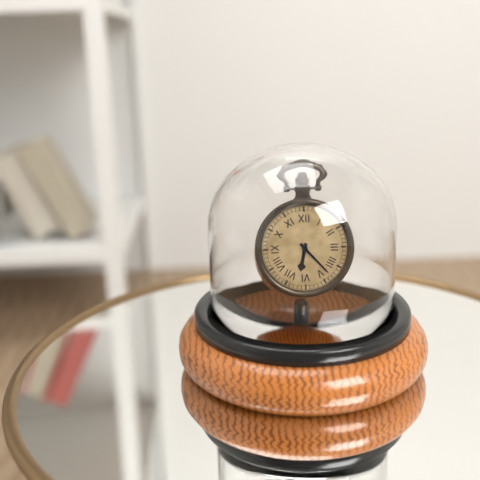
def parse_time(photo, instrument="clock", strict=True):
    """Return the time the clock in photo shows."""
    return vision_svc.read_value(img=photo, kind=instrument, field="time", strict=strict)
6:23
